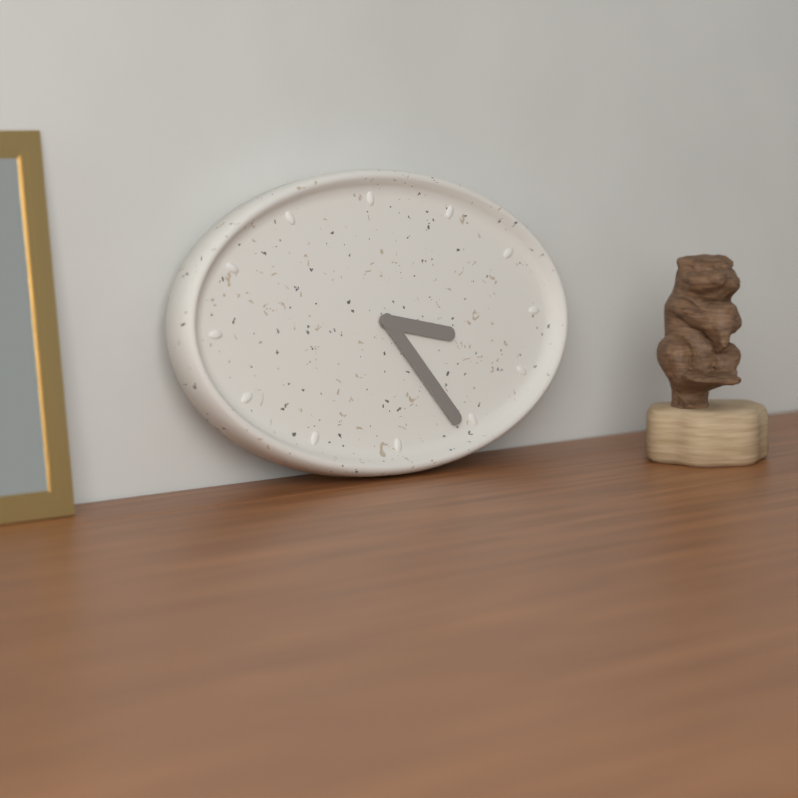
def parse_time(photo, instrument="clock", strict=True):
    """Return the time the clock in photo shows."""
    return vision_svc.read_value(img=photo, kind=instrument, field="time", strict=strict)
3:24
